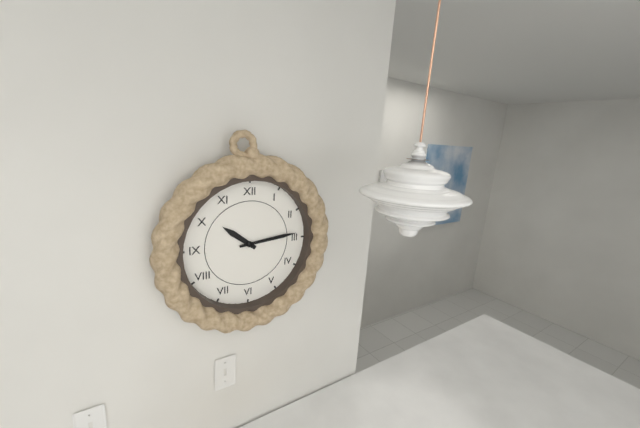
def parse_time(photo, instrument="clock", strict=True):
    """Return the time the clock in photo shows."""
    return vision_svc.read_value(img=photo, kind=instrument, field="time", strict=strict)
10:14
